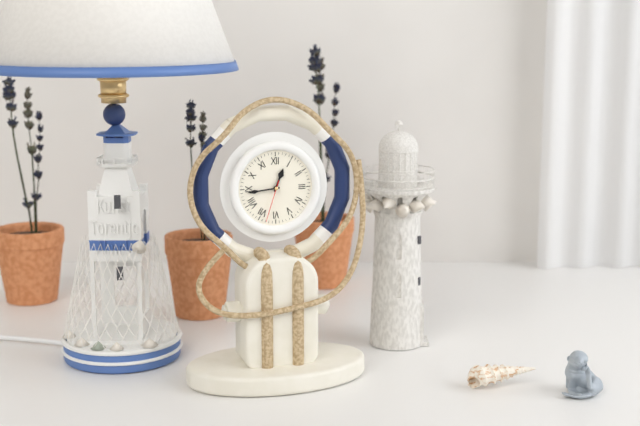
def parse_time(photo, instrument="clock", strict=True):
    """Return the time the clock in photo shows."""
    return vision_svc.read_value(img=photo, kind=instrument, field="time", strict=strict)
12:44
